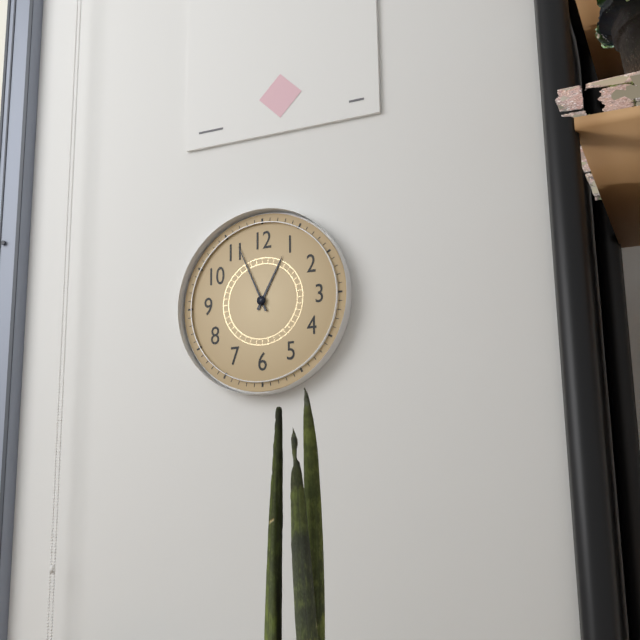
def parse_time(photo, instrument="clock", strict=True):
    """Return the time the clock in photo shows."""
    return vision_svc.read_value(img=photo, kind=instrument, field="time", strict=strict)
12:56
